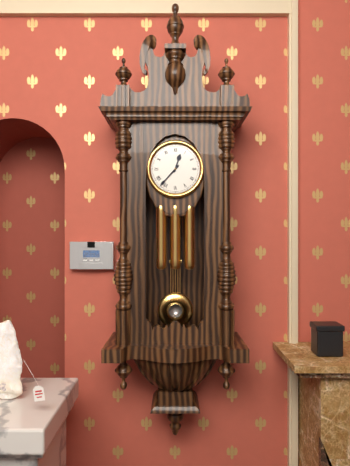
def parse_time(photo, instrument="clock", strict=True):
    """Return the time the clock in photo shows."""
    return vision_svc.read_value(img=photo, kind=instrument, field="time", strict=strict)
12:37
